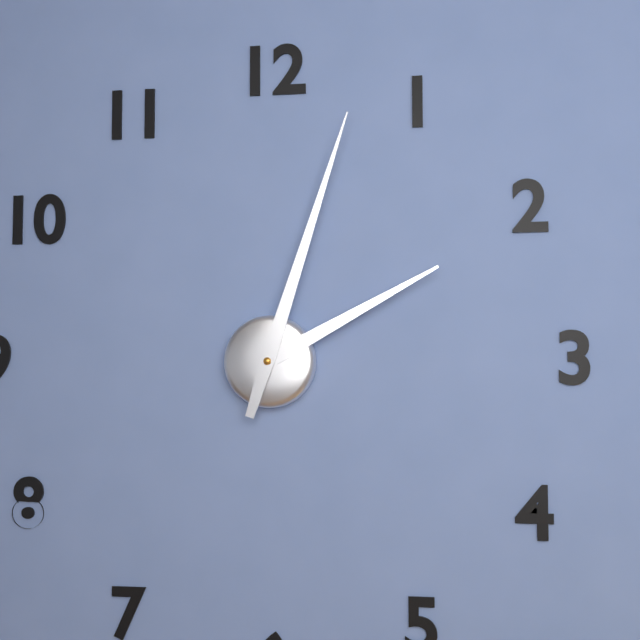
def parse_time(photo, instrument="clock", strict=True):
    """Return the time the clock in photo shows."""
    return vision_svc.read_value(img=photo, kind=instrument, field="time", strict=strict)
2:03
